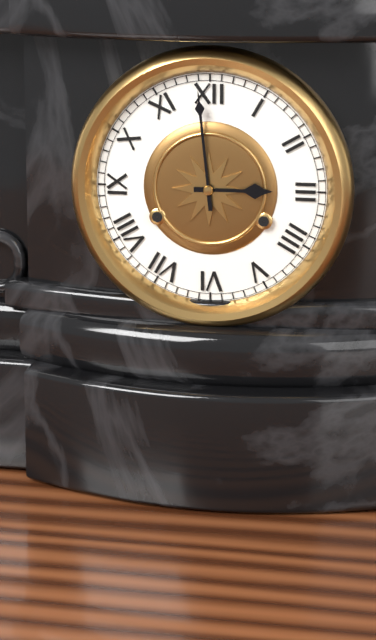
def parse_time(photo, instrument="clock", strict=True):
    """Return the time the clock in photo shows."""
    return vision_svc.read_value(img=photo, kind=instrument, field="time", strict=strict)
2:59
